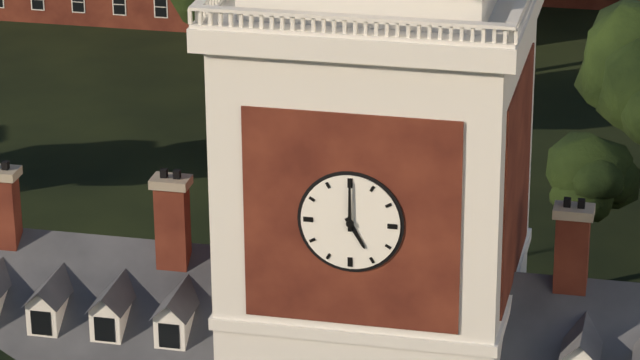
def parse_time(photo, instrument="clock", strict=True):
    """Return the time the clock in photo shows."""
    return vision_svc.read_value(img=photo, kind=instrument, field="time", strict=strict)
5:00
